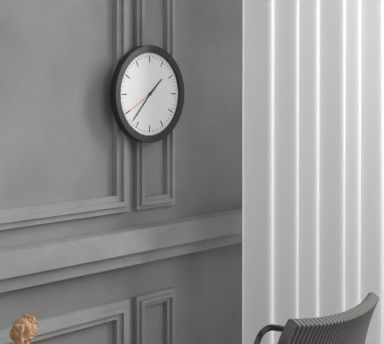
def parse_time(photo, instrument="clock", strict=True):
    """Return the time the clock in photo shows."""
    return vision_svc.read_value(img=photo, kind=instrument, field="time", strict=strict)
1:37
